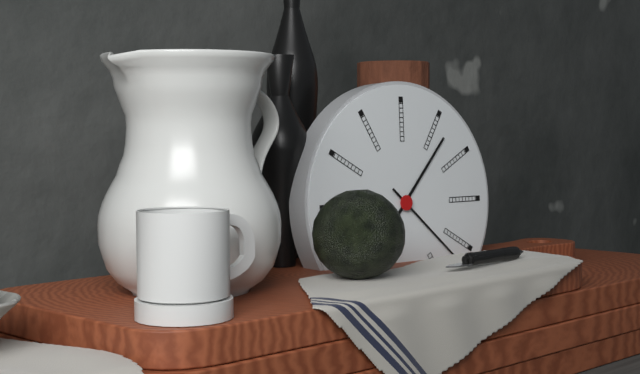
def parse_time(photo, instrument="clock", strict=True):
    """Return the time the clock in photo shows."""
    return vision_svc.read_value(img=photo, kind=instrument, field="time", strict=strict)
1:22
